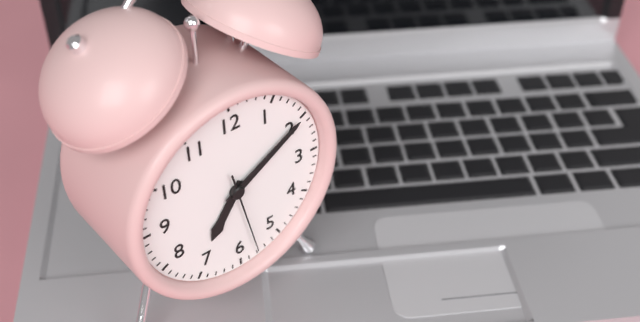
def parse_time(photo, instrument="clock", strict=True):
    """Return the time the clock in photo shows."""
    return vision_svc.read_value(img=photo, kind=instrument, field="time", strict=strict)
7:10:28
